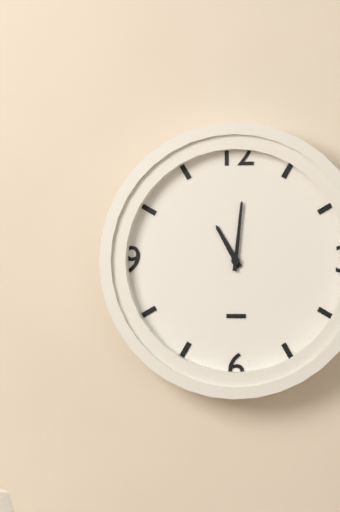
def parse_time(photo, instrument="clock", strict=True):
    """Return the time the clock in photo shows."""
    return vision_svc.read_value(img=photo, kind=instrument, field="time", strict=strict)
11:01
